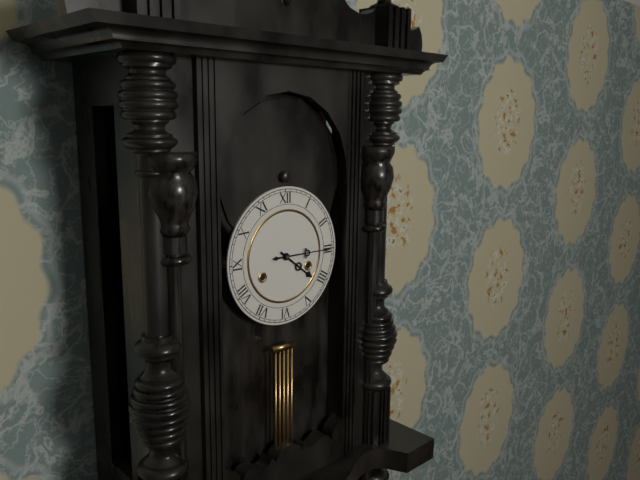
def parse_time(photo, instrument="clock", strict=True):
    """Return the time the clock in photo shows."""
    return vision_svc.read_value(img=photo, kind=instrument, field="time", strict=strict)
4:15
